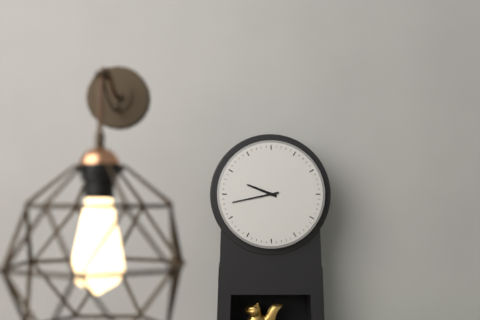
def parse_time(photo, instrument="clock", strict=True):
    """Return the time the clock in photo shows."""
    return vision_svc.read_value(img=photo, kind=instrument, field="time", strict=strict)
9:43
